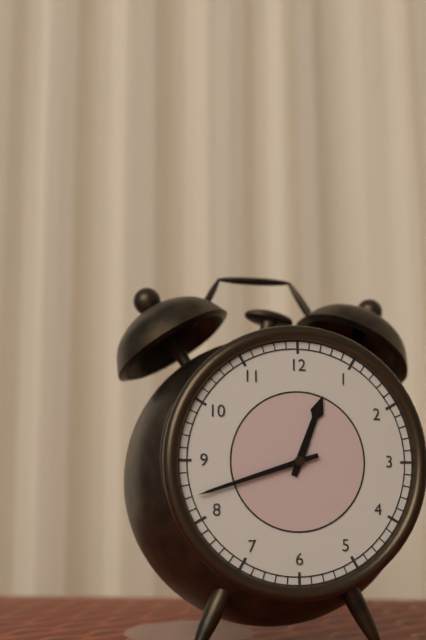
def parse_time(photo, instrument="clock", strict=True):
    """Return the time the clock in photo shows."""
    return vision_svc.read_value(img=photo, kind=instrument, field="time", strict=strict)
12:42
